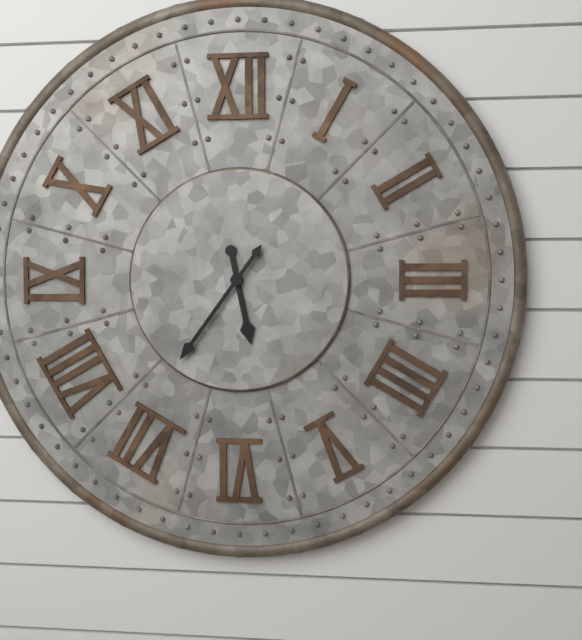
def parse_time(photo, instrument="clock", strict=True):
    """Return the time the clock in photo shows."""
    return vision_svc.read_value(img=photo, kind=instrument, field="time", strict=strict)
5:36
